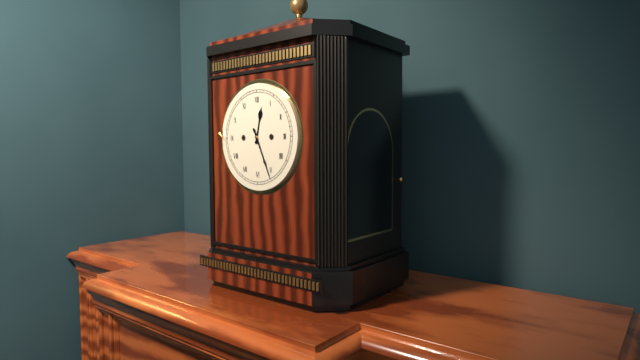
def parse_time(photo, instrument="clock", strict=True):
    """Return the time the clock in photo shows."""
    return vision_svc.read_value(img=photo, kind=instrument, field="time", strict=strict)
12:26
